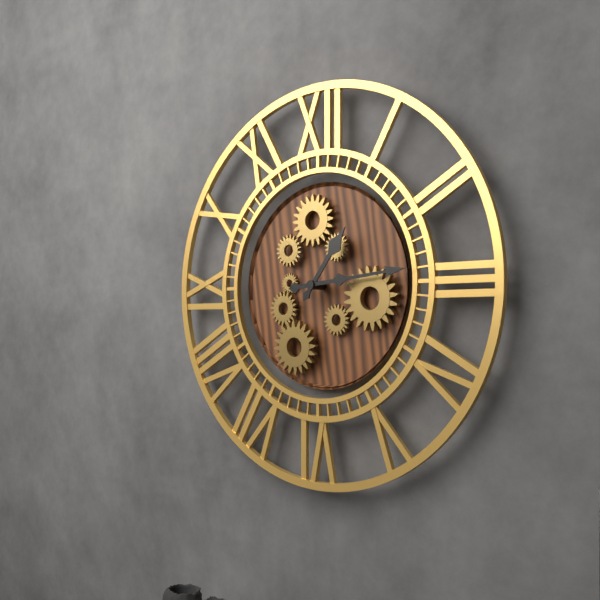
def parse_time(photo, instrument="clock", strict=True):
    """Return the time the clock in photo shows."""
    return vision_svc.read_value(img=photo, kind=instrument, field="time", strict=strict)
1:14
